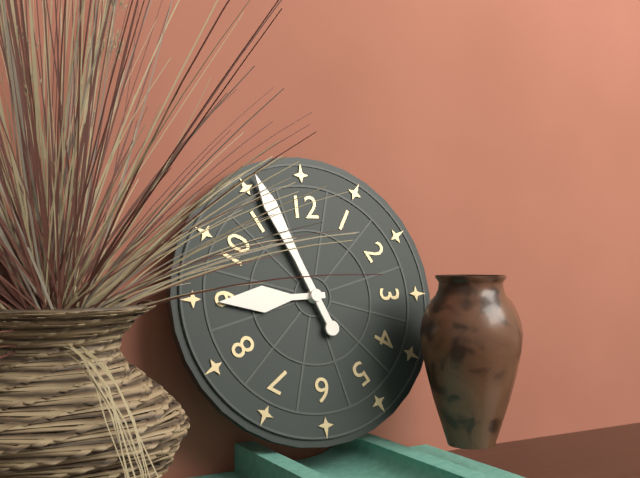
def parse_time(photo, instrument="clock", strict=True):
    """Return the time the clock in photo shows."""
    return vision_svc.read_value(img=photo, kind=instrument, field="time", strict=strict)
8:56
